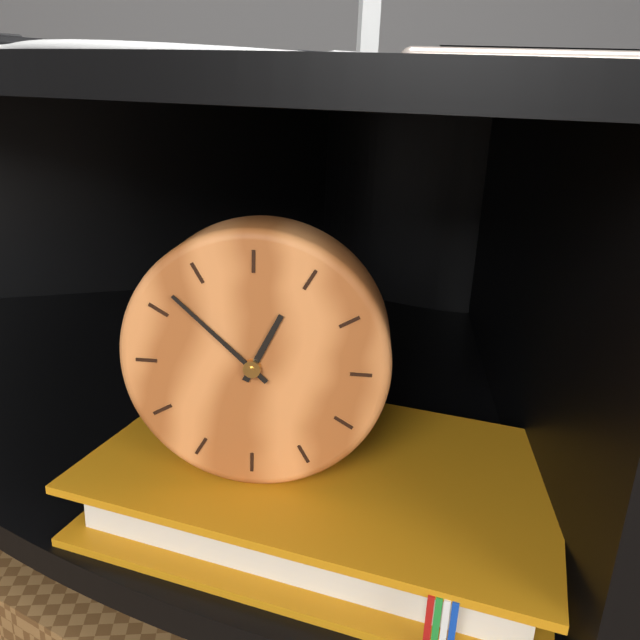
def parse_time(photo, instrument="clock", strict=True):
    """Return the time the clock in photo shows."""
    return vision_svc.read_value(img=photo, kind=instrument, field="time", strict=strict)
12:52
